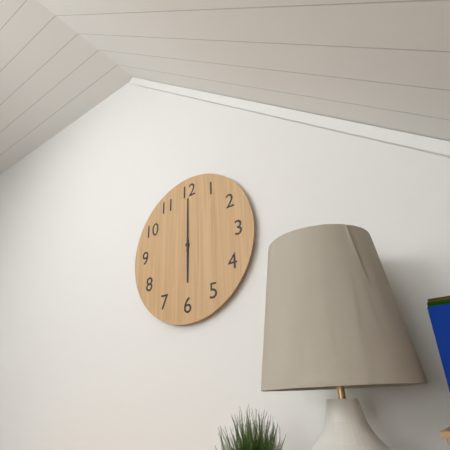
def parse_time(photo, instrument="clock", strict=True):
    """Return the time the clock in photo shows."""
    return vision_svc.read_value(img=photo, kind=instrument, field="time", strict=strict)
6:00
